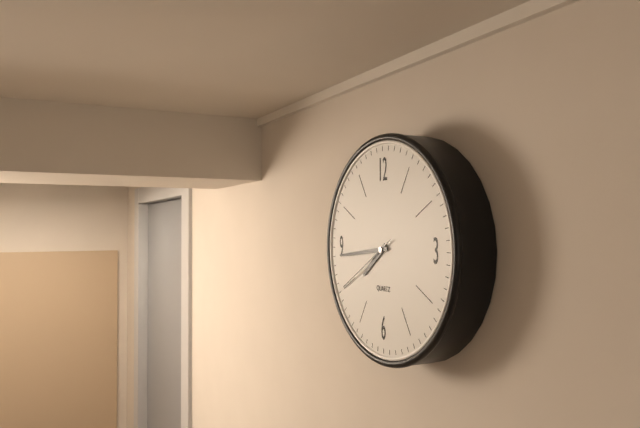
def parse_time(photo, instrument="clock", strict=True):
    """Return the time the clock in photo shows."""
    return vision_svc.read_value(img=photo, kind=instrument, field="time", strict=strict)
7:44:40
